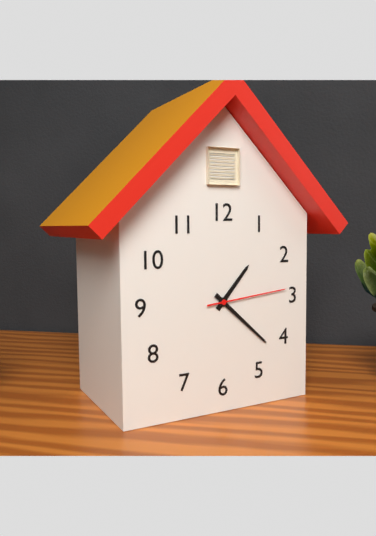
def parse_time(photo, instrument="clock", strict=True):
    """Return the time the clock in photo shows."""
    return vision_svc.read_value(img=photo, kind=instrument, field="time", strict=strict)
1:22:14
